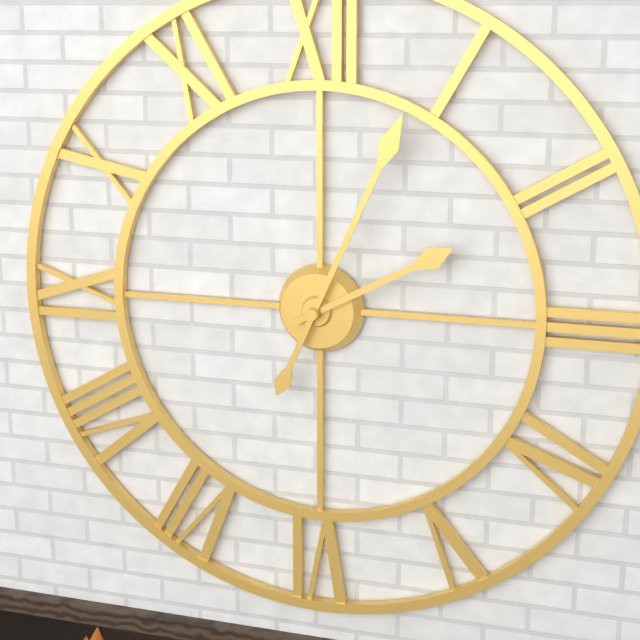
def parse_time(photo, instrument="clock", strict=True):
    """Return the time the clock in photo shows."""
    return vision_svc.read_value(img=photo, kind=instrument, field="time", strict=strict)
2:04
